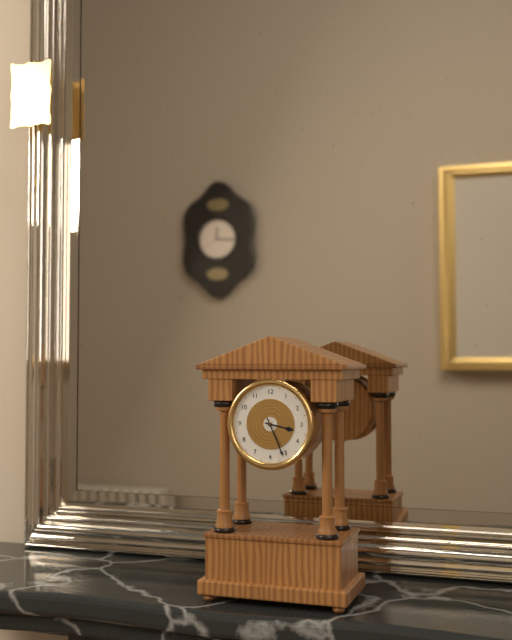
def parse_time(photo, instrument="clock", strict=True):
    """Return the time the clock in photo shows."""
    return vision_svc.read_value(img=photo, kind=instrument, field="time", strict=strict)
3:26
